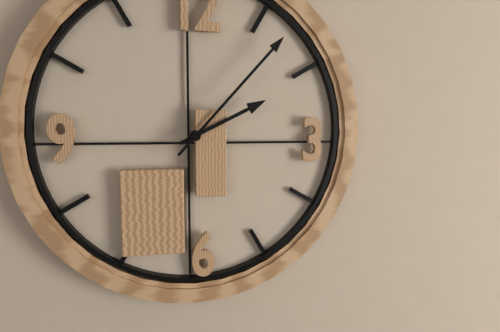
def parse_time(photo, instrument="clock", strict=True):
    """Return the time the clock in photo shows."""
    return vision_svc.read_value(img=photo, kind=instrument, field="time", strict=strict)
2:07
